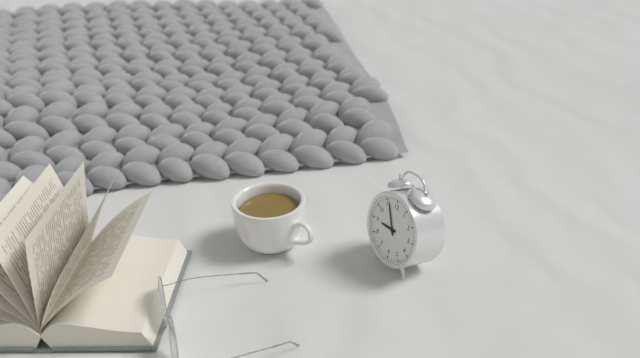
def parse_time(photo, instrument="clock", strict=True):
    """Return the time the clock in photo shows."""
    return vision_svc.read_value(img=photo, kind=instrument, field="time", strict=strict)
8:56
